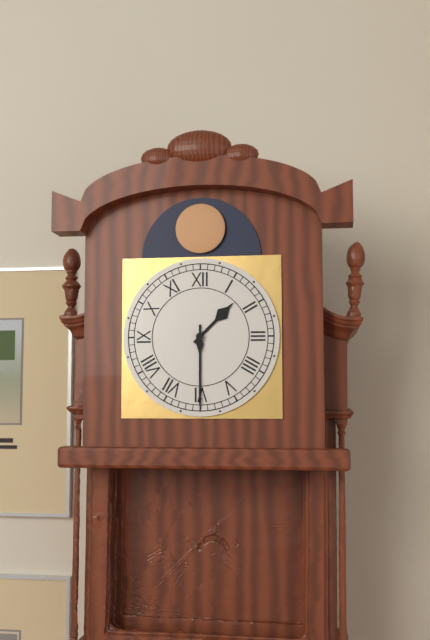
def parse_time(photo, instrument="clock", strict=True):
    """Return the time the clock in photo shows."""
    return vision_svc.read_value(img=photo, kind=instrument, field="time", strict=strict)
1:30
